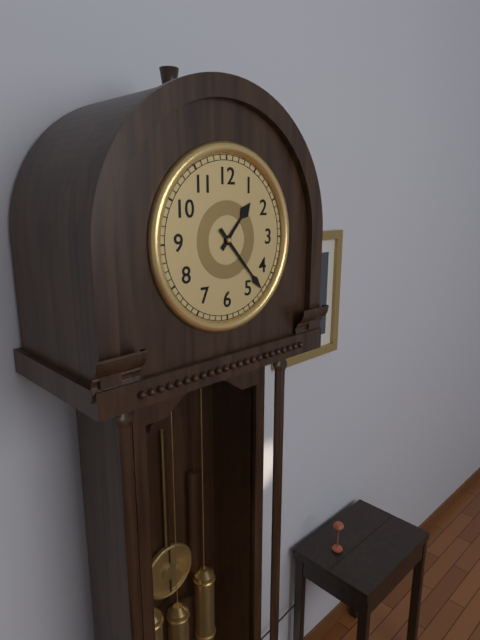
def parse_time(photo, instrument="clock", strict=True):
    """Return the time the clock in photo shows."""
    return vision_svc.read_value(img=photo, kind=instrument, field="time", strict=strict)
1:23
